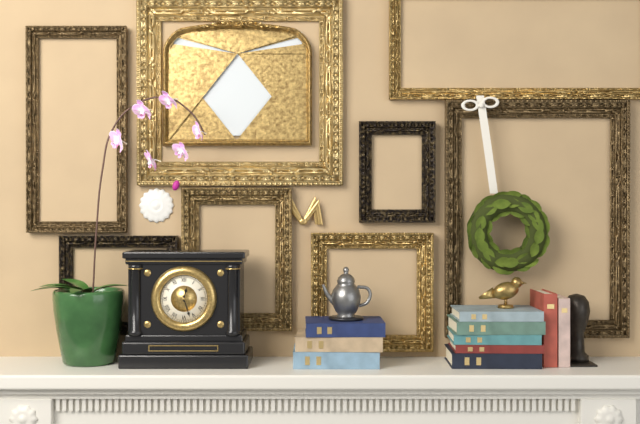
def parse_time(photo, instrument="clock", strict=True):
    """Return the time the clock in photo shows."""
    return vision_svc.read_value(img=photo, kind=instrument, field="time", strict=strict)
12:27
